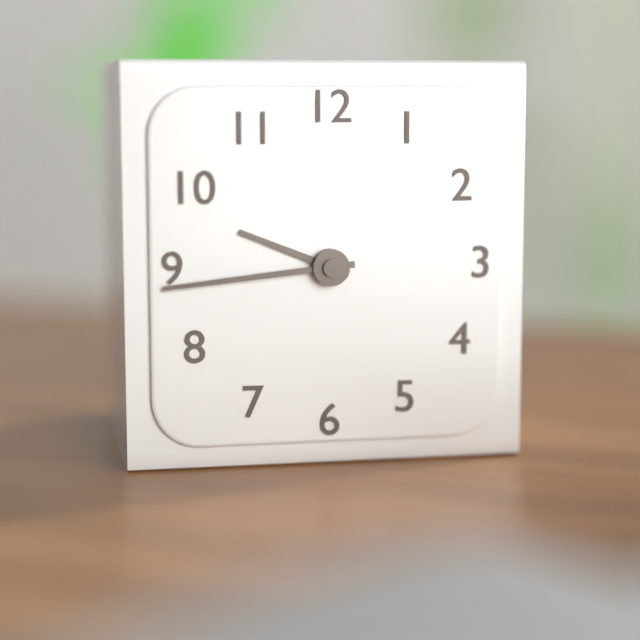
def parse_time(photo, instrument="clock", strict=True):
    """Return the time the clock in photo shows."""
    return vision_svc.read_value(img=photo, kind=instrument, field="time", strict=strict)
9:44
